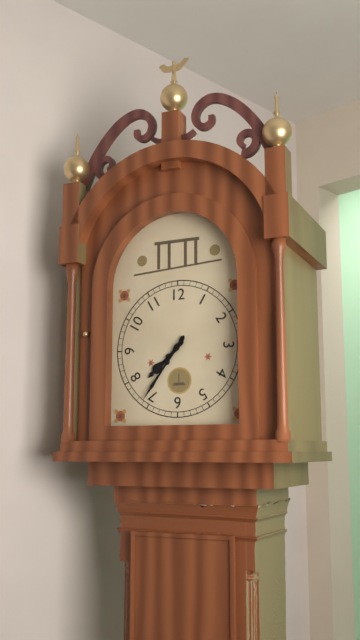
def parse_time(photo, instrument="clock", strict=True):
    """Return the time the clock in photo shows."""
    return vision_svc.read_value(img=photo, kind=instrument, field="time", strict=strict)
7:36
